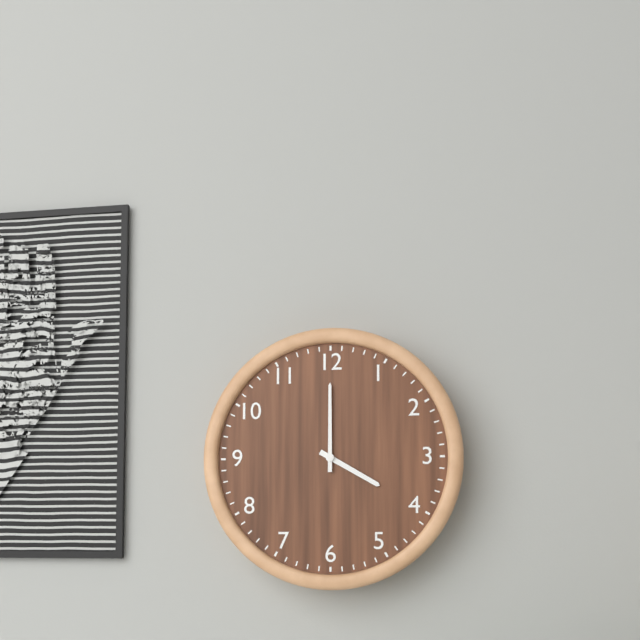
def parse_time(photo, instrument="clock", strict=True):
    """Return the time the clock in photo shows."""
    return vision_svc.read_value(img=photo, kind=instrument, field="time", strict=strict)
4:00
